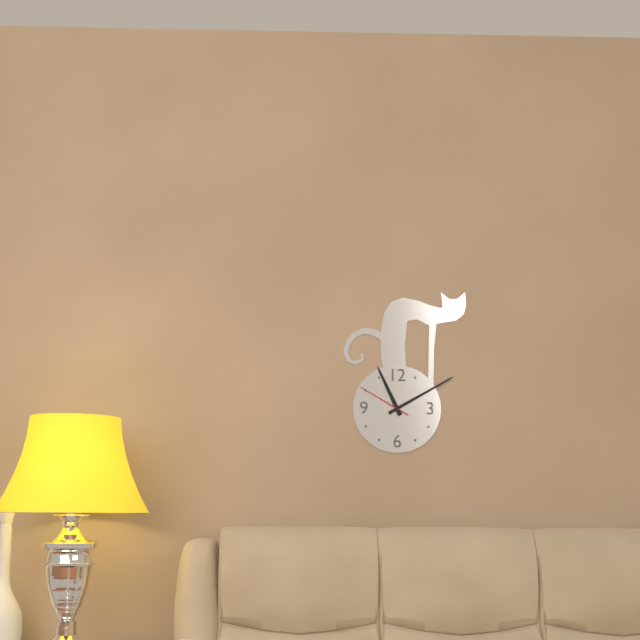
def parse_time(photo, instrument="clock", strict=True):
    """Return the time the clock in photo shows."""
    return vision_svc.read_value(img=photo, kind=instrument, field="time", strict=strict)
11:10:50
